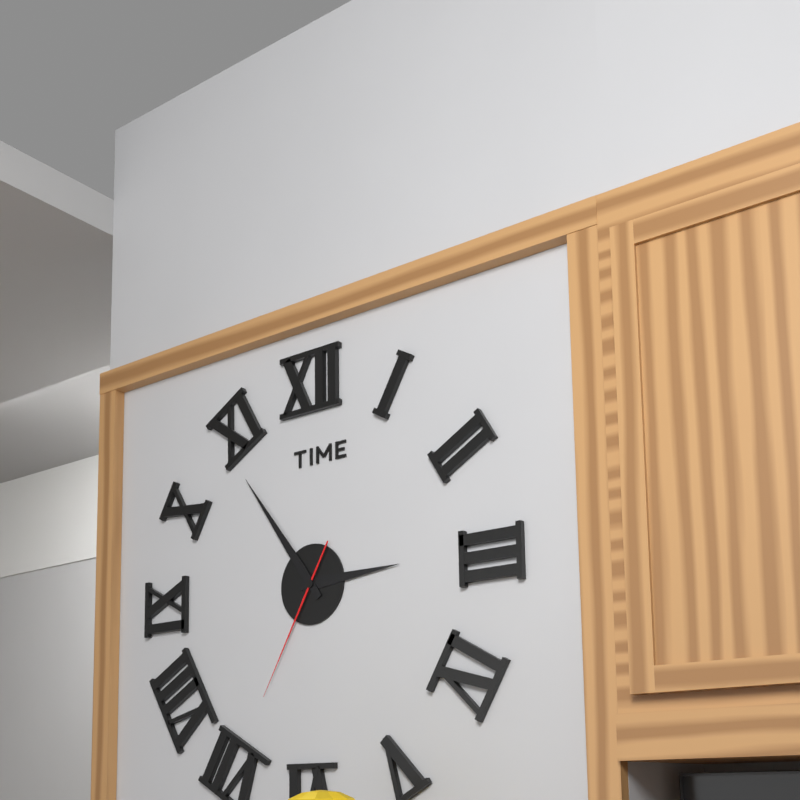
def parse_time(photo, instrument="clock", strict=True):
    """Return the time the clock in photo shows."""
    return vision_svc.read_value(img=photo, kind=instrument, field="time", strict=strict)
2:54:35
